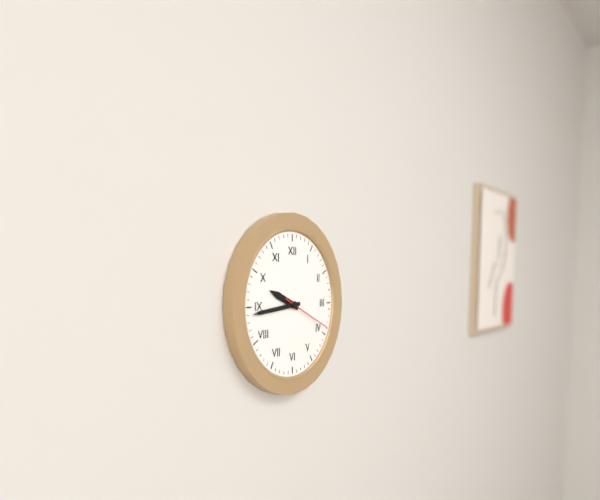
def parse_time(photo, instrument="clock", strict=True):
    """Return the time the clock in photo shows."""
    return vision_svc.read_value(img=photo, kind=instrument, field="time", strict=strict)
9:44:19
